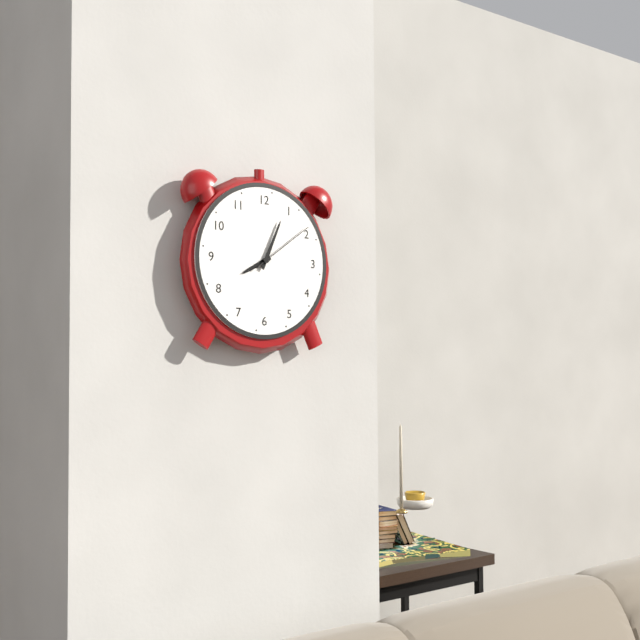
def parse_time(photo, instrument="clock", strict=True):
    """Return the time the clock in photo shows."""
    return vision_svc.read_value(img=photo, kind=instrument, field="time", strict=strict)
8:04:09
